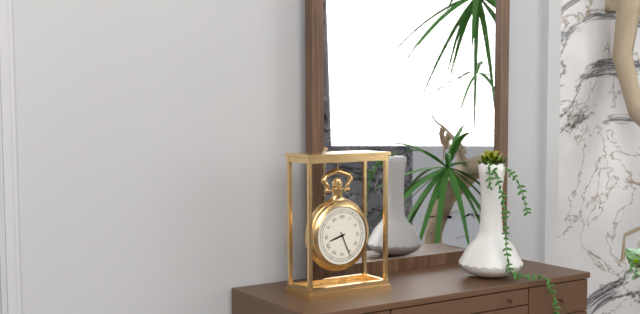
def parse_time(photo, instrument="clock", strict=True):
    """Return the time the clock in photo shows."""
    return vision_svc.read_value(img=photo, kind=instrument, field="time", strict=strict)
8:26
